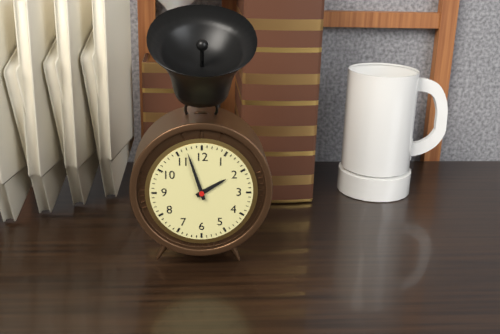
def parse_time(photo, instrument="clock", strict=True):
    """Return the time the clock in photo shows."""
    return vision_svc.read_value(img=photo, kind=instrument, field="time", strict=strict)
1:57
